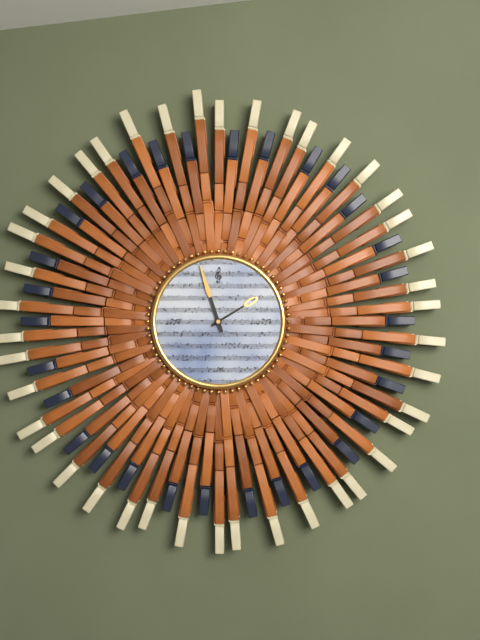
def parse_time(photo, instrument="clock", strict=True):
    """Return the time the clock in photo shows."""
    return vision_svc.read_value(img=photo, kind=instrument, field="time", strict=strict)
1:57
